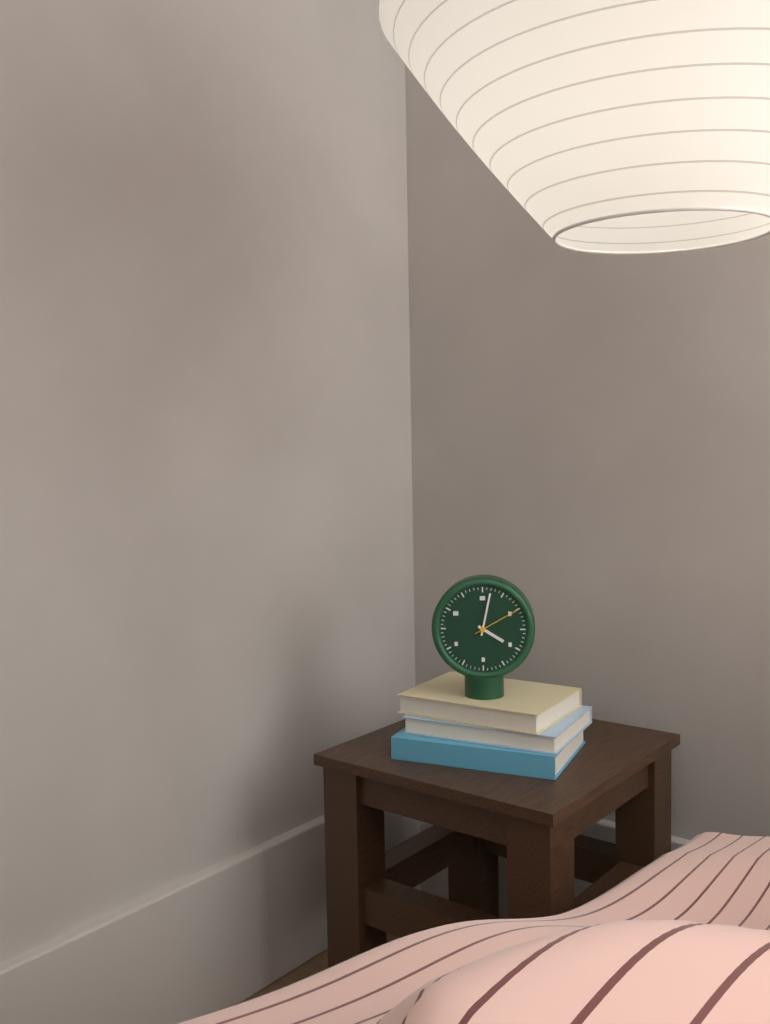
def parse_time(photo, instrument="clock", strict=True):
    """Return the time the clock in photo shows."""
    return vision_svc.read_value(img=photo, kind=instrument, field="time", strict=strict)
4:02:10
